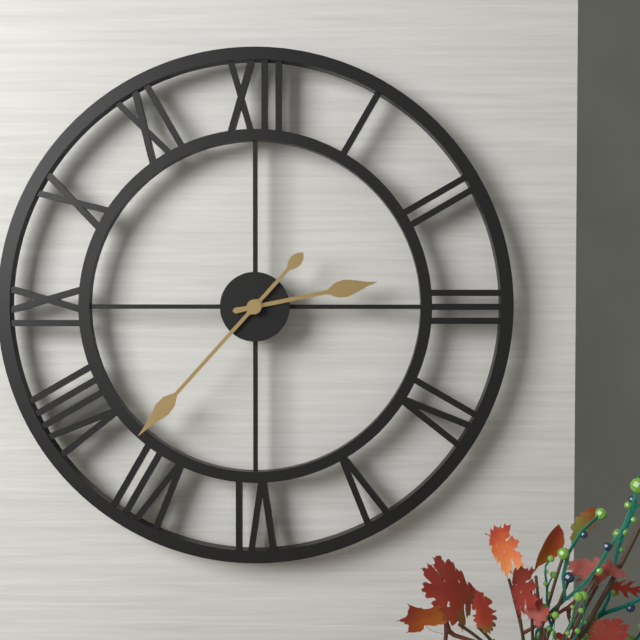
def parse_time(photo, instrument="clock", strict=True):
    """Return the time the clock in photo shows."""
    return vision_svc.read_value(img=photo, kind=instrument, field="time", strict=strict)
2:37
